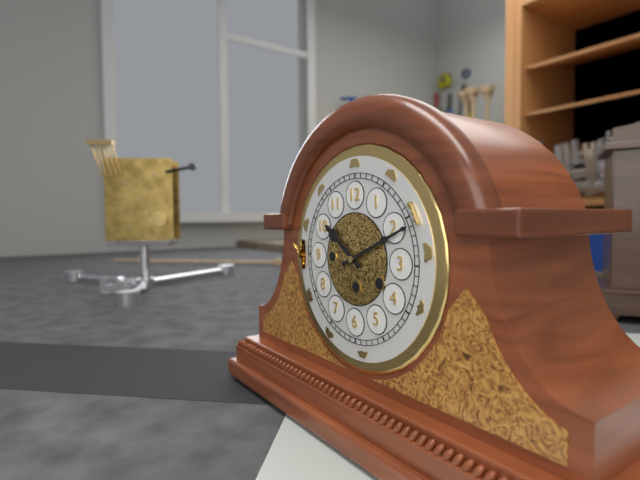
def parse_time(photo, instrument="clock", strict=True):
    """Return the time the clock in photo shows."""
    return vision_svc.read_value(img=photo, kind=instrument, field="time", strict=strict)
10:11
